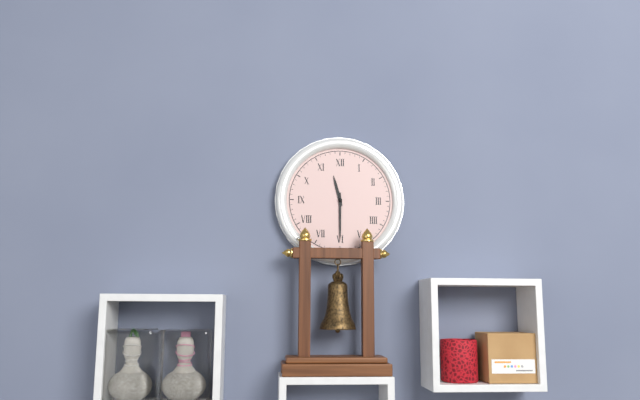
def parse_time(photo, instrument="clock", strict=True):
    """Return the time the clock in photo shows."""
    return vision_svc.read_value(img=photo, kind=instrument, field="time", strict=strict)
11:30
